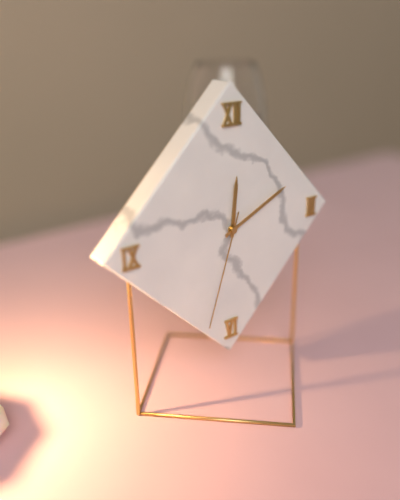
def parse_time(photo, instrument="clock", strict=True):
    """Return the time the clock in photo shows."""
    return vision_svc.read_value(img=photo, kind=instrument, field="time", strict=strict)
12:11:33
